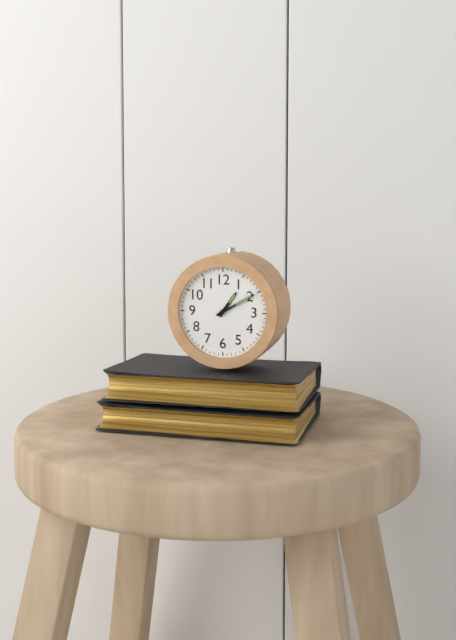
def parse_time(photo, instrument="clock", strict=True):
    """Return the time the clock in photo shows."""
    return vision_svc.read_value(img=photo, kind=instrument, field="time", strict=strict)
1:10
